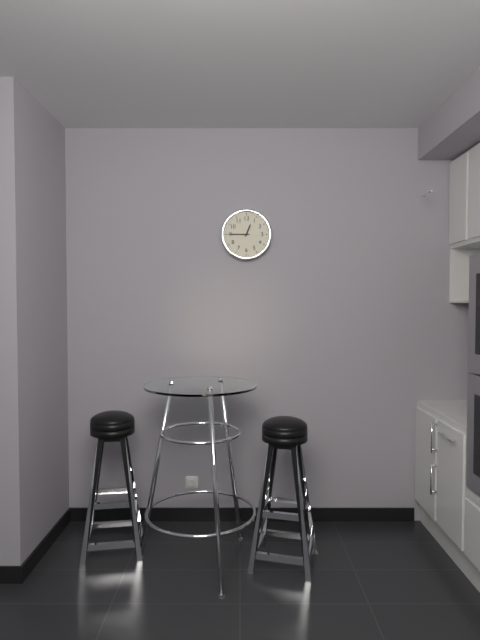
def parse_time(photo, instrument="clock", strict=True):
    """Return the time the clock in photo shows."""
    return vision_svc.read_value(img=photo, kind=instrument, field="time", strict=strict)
12:45
